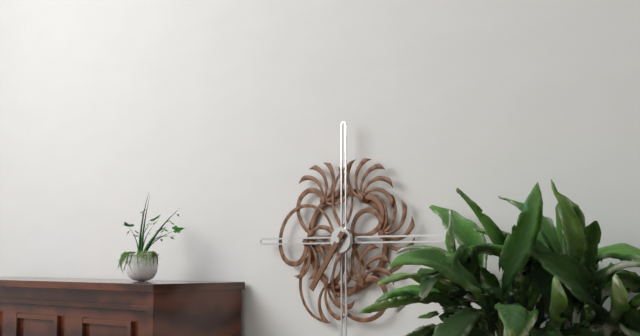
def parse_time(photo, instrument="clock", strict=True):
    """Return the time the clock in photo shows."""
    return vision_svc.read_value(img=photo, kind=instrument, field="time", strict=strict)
6:36
